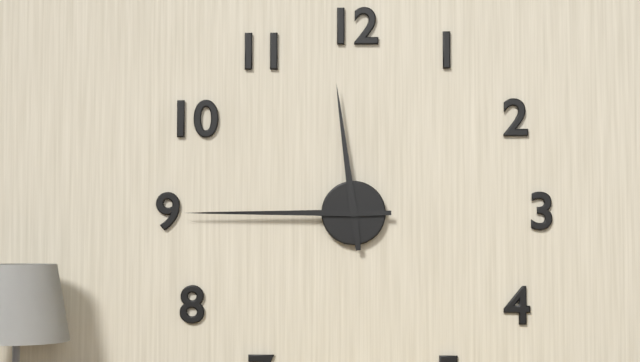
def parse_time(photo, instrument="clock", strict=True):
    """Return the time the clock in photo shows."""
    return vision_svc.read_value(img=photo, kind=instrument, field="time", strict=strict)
11:45
